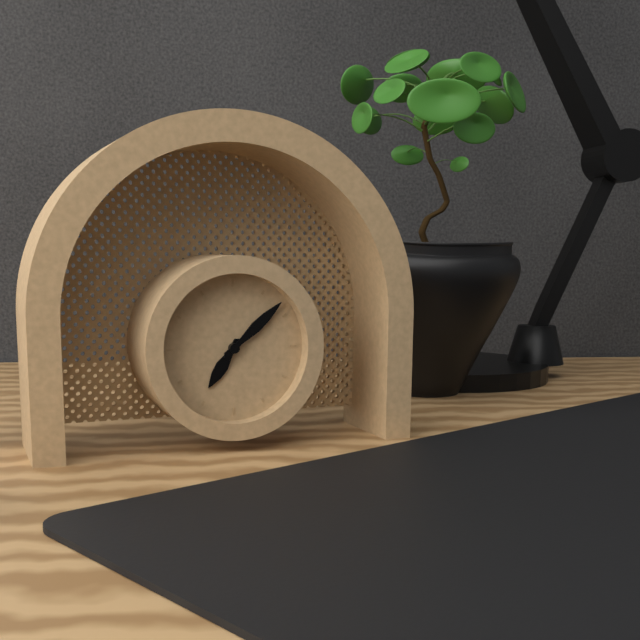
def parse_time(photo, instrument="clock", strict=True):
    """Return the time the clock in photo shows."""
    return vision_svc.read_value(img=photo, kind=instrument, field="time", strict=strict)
7:08
